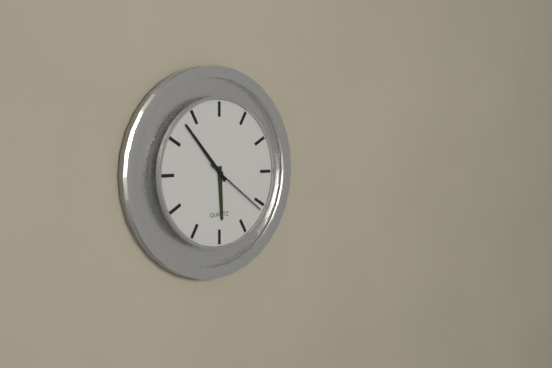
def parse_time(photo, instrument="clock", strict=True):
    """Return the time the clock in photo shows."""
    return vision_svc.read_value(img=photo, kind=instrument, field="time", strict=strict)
5:53:21
